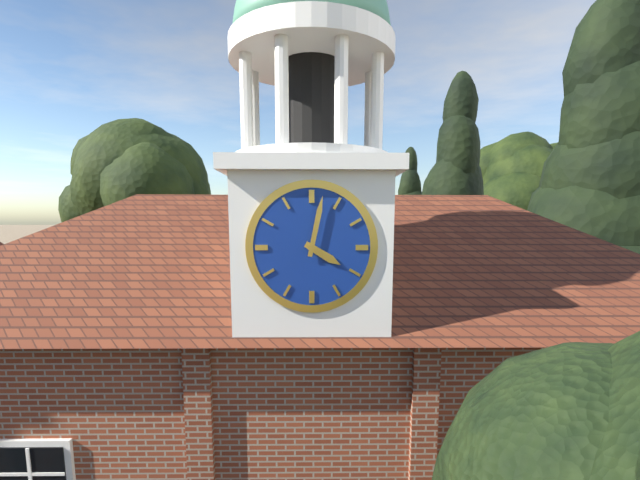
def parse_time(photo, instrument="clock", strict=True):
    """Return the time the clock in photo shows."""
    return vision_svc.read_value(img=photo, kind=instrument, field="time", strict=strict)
4:02
